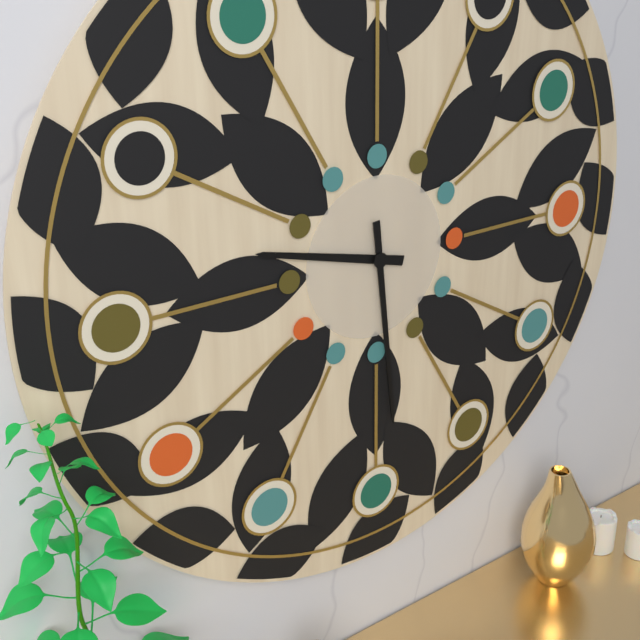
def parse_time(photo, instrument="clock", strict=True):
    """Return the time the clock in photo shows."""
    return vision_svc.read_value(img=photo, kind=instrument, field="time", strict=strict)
9:29
